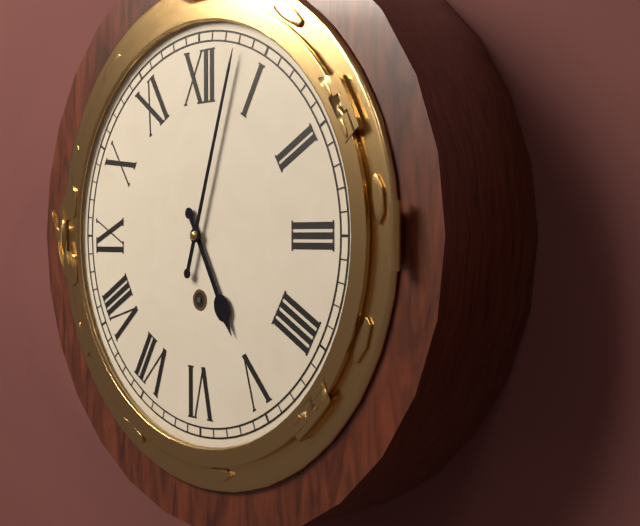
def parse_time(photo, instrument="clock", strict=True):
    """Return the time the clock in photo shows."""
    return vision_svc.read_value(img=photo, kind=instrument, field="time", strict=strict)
5:03
